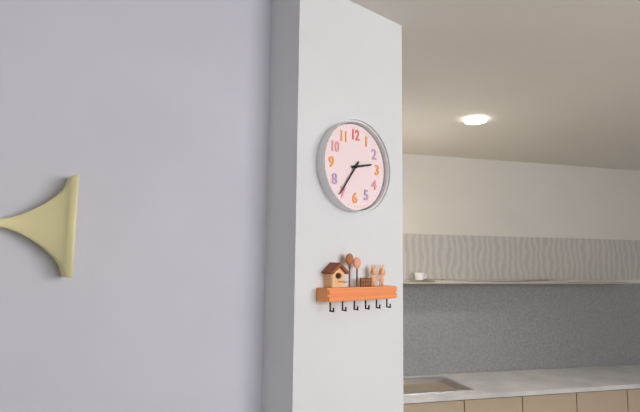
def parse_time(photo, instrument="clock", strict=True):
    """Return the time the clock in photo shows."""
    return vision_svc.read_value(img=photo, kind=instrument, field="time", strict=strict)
2:36
